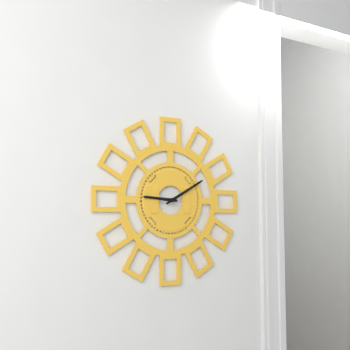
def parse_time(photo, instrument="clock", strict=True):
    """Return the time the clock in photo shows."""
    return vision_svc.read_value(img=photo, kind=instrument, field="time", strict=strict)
9:10
